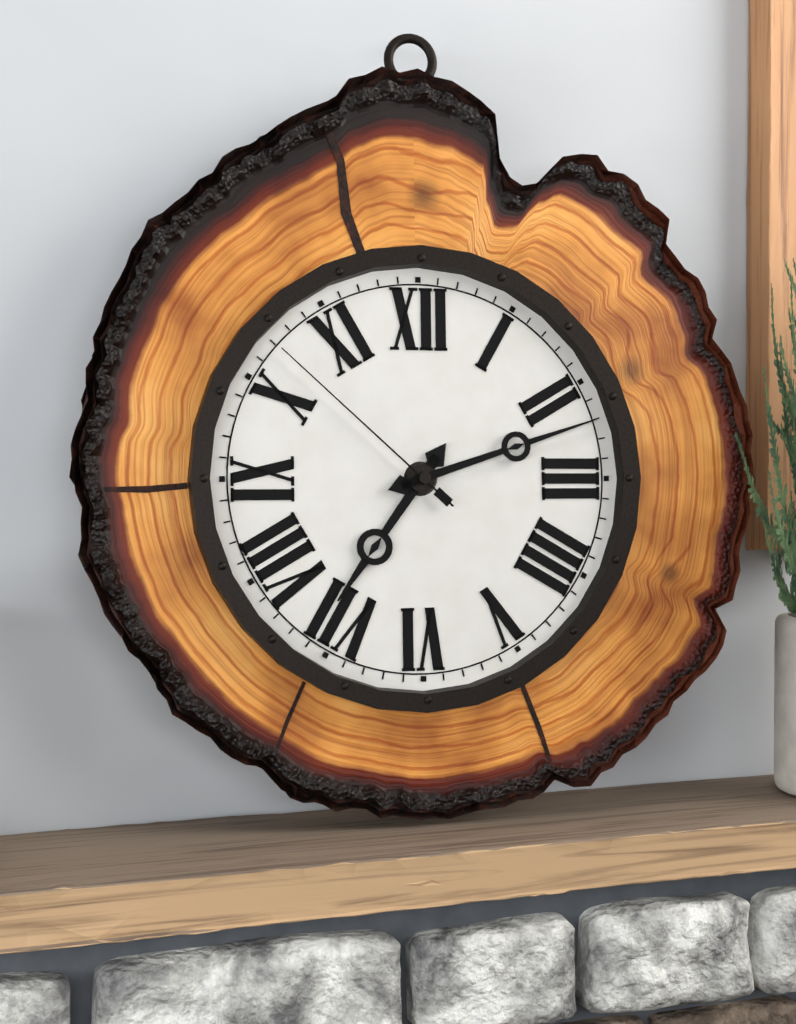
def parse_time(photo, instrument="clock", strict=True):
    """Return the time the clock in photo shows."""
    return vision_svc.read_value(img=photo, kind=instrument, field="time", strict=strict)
7:12:52
